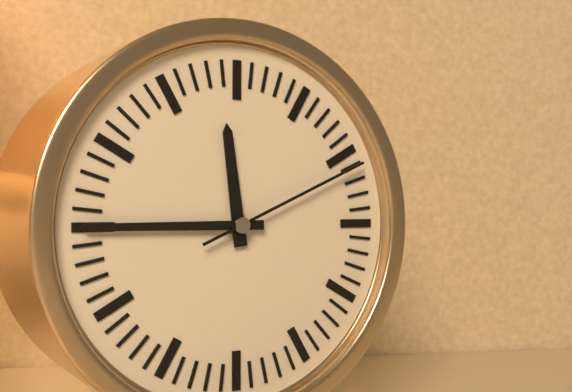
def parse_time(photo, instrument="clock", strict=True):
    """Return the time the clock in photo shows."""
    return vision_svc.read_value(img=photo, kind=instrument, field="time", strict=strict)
11:45:11
